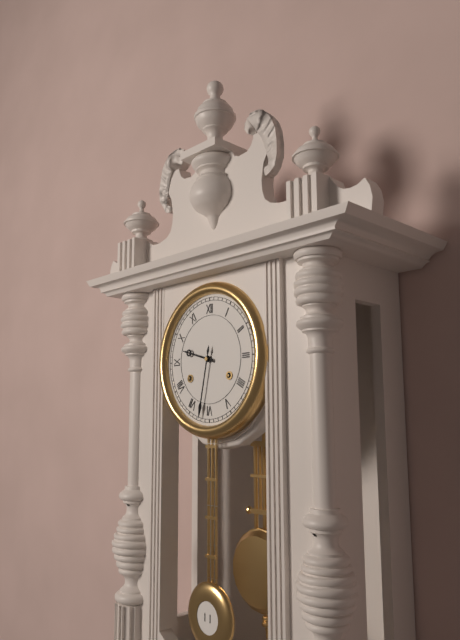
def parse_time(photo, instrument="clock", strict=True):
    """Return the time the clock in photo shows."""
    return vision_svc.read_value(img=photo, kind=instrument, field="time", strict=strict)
9:32
